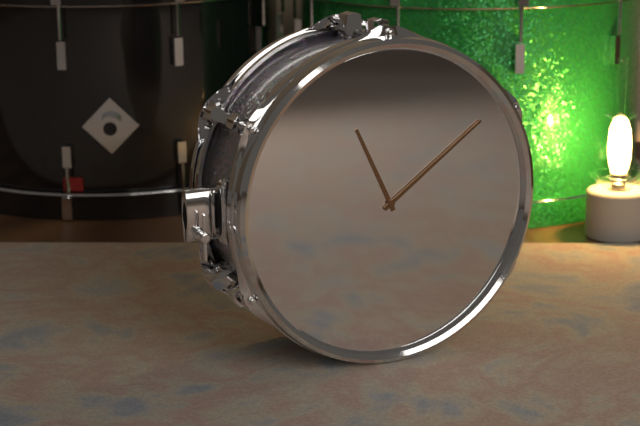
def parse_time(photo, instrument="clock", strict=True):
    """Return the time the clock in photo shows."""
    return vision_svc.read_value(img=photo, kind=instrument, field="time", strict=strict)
11:09
